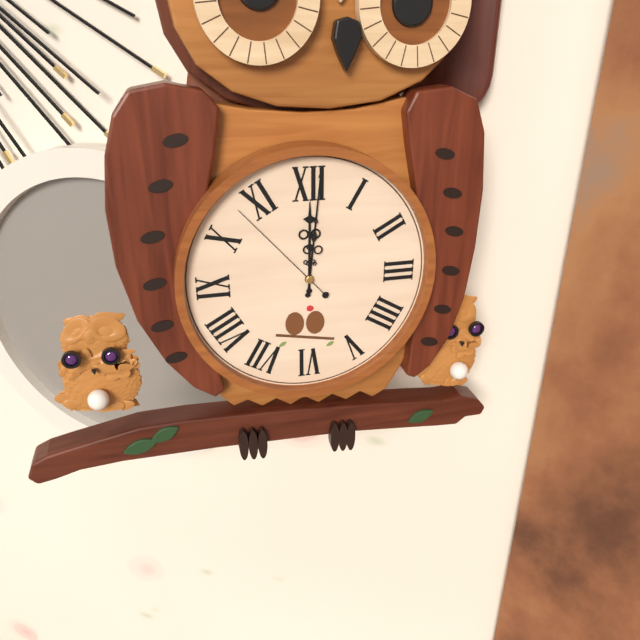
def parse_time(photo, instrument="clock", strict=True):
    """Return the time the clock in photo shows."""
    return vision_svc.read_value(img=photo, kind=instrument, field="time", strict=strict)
12:01:53
